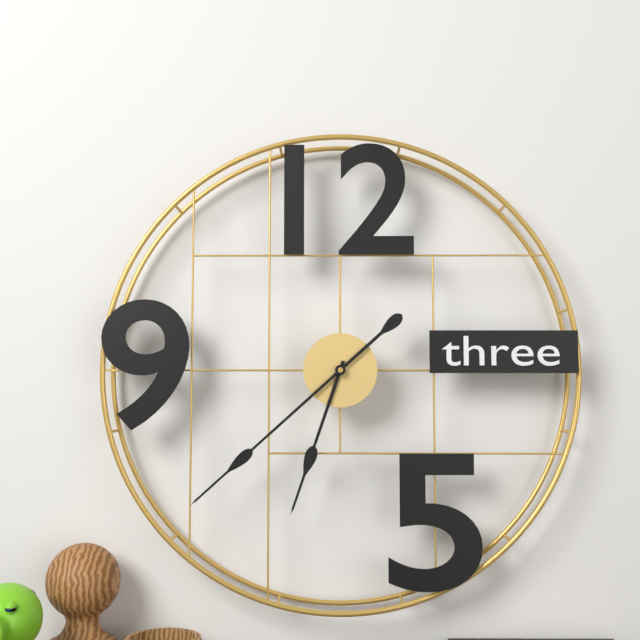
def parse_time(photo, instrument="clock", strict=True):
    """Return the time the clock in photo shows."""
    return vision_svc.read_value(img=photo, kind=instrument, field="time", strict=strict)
6:38
